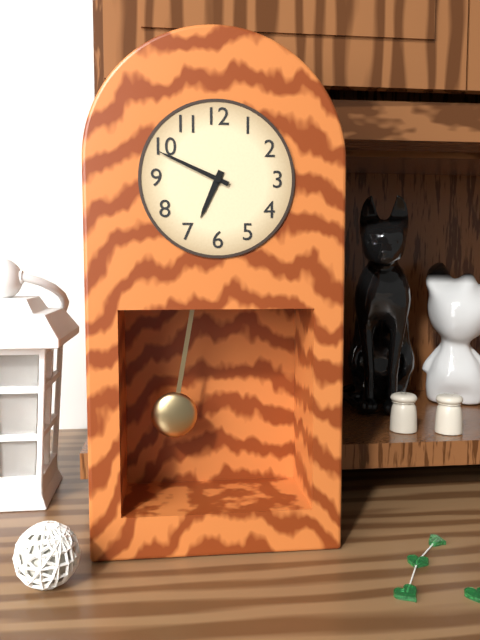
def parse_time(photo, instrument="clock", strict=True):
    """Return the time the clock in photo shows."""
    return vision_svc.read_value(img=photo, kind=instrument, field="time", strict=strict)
6:49
